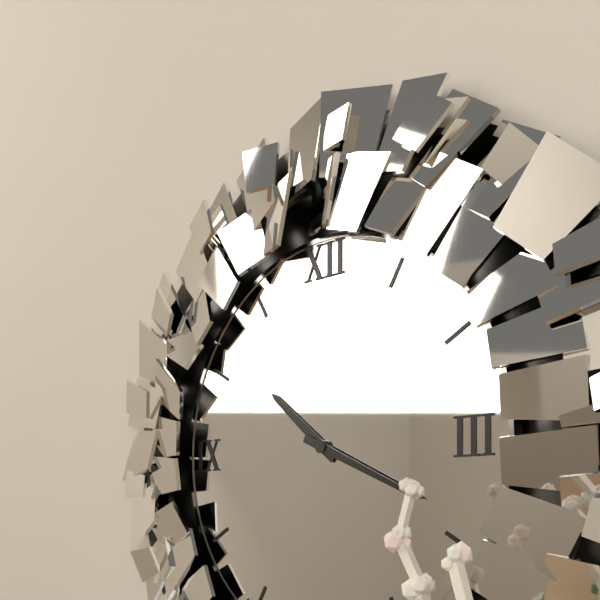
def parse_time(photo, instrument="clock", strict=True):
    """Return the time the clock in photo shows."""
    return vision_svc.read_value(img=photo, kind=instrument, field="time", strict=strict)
10:19
